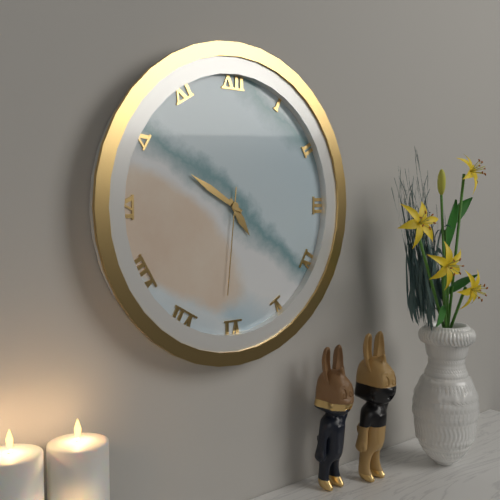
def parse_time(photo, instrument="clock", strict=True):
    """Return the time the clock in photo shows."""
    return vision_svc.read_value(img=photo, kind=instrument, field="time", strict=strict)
4:50:31
